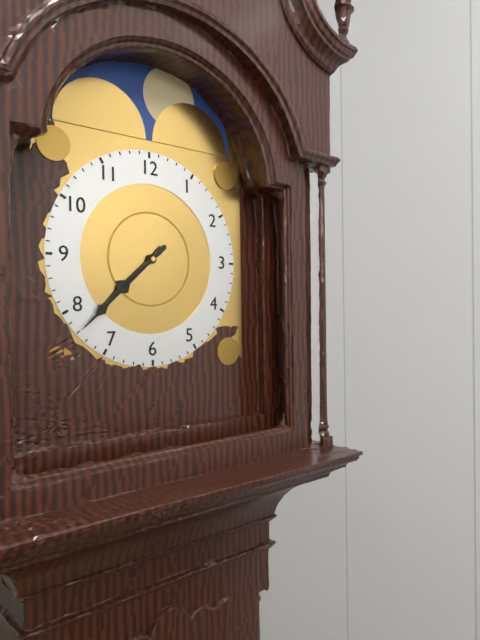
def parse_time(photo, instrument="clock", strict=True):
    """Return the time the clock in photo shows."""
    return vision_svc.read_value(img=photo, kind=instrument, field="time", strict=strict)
7:38
